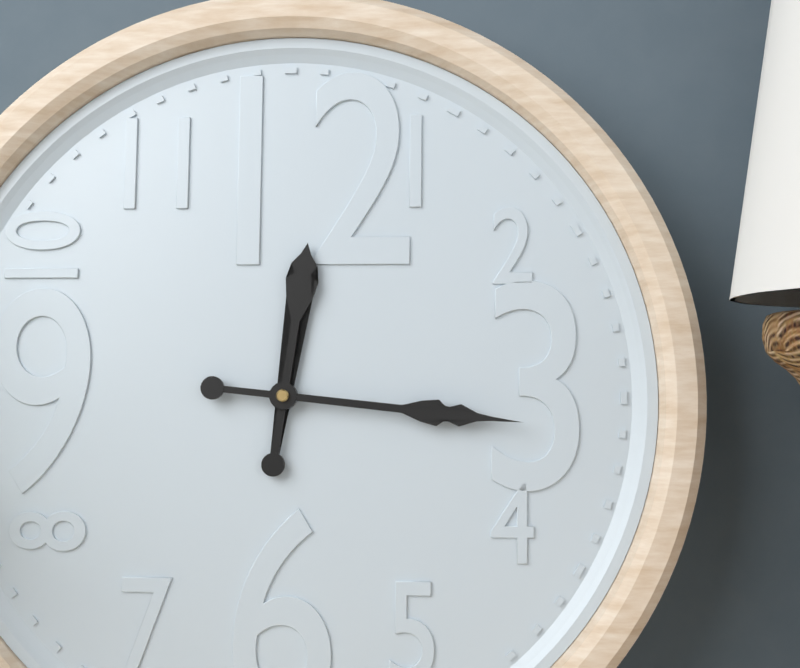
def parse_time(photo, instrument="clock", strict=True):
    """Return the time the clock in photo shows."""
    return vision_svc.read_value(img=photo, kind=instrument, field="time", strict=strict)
12:16
